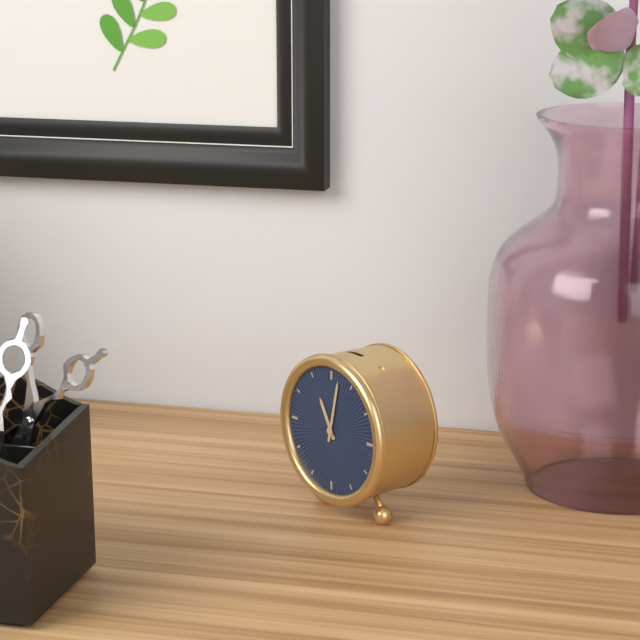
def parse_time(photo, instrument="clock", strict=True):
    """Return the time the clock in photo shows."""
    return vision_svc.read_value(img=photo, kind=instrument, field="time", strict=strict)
11:02
